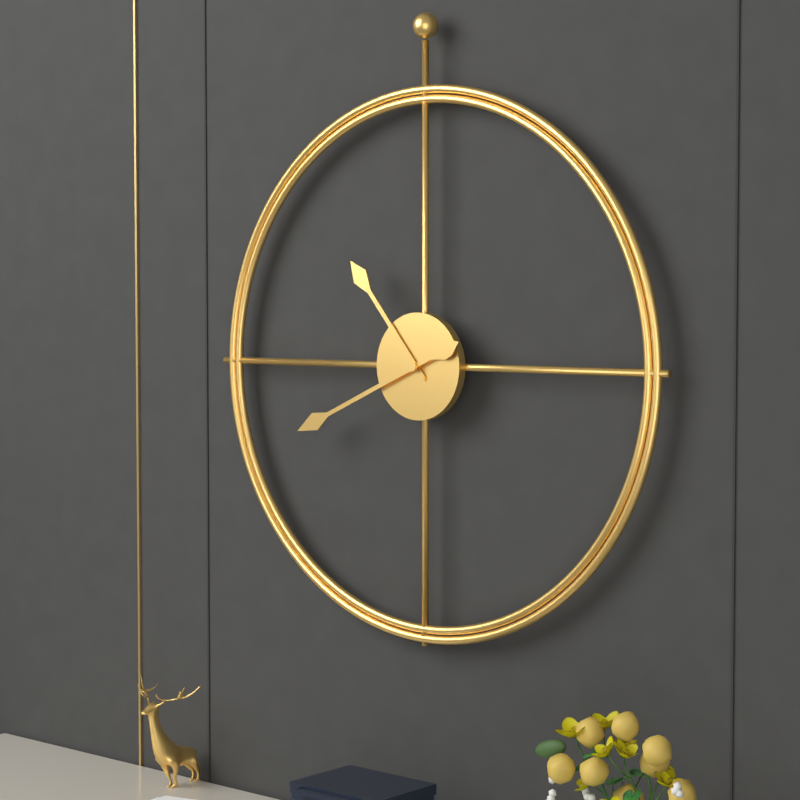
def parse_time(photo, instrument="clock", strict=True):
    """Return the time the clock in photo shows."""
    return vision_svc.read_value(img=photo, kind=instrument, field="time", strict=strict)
10:41
